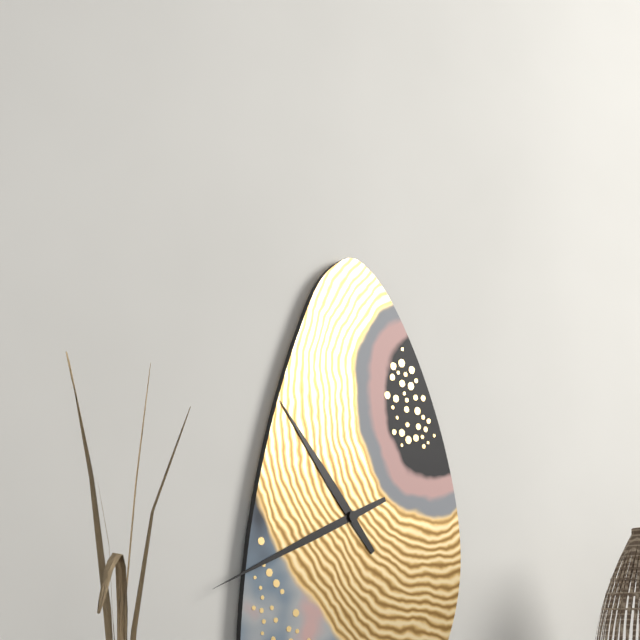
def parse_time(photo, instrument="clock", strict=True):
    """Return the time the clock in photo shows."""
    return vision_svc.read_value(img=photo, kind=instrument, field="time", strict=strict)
10:41
